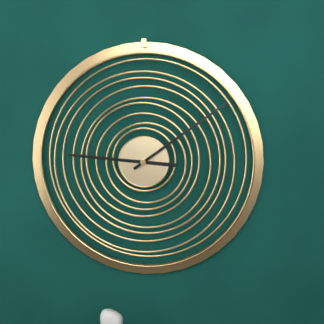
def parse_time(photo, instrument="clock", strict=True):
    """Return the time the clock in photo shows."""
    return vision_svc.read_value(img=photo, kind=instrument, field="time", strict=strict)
9:09
